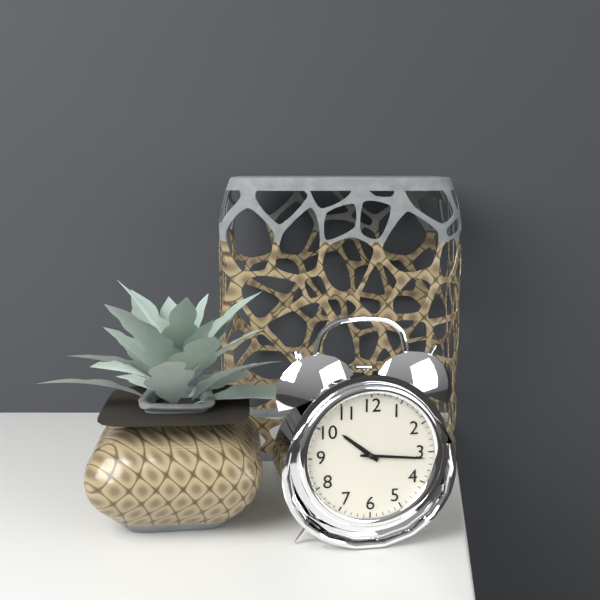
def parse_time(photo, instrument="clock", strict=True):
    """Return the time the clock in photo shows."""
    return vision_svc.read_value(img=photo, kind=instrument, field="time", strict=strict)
10:16
